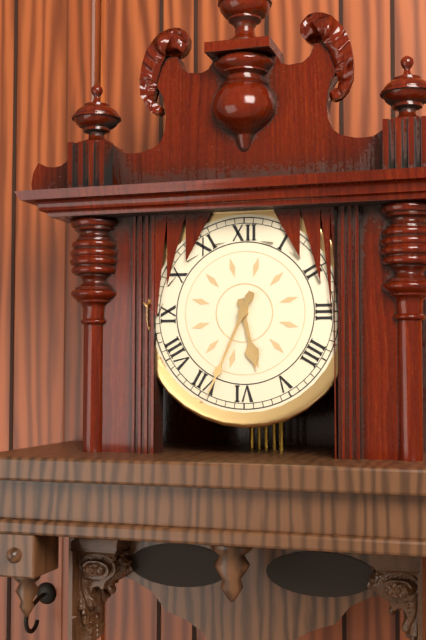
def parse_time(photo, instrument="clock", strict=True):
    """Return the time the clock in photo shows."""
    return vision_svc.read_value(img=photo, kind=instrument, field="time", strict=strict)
5:34
